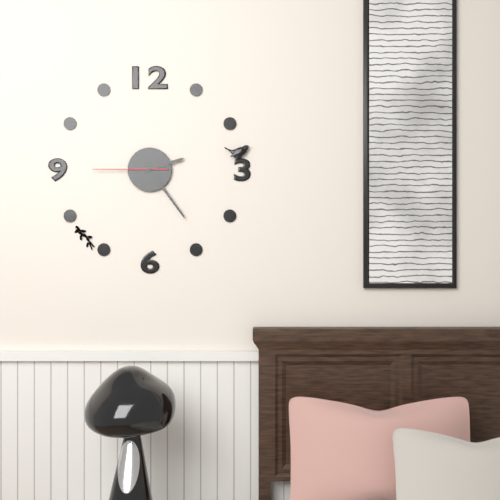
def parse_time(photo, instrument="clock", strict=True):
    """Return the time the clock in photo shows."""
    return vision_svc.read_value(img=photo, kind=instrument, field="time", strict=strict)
2:24:45
